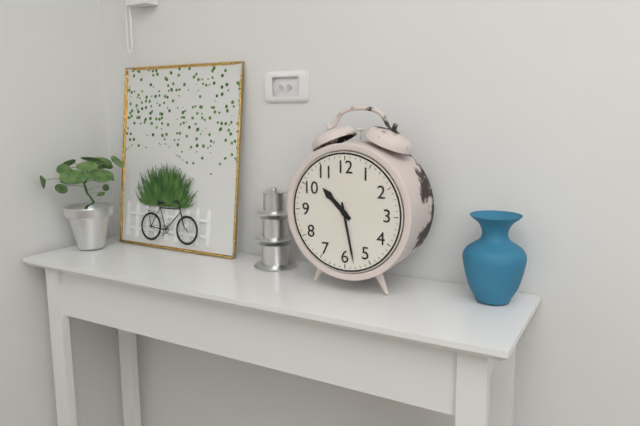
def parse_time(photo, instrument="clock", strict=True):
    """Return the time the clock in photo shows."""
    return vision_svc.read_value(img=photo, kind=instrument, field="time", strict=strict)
10:28
